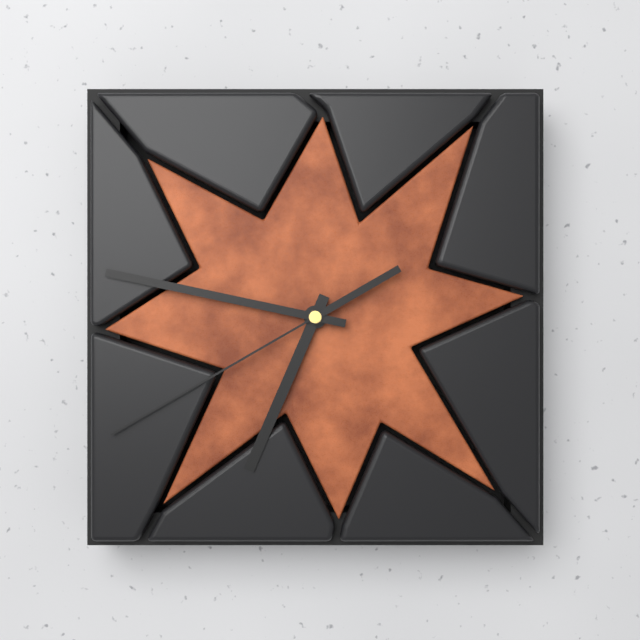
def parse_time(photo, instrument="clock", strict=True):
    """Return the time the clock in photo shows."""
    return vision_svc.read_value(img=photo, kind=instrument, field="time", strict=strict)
6:47:40
